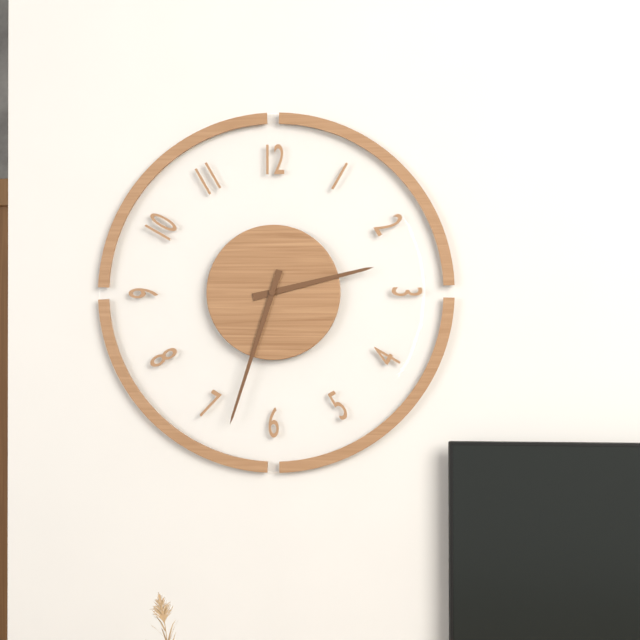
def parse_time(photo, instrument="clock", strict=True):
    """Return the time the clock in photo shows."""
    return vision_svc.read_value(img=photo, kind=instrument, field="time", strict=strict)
2:33
